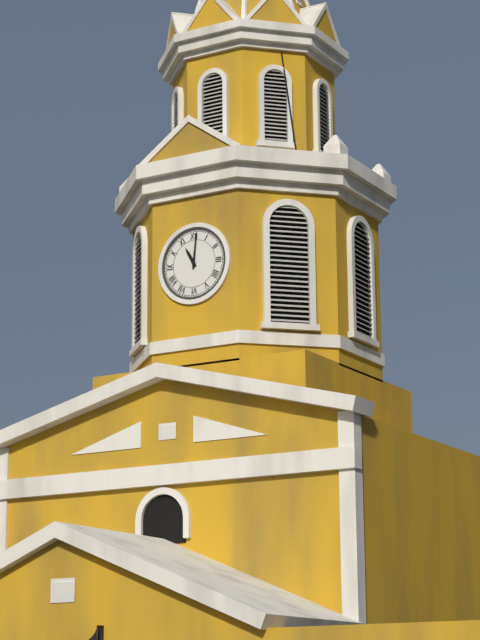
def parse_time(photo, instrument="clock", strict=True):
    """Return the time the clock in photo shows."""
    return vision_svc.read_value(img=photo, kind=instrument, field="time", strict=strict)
11:01
